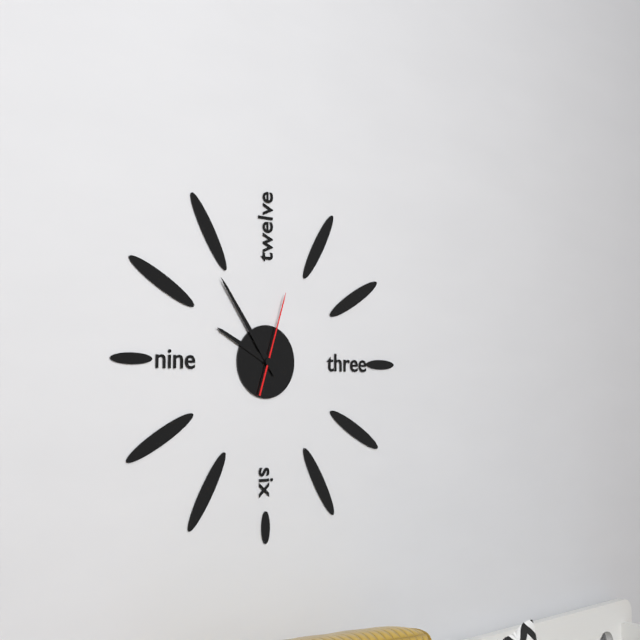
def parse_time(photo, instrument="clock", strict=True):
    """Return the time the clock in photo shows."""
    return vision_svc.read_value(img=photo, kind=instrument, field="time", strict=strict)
9:54:03
